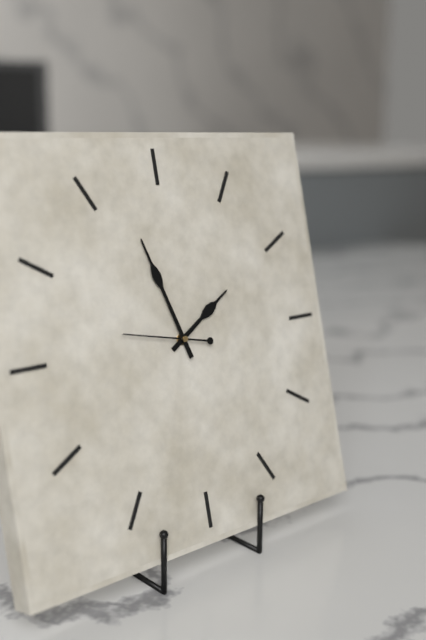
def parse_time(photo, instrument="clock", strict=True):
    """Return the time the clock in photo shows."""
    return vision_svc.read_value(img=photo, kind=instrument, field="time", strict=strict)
1:57:47
